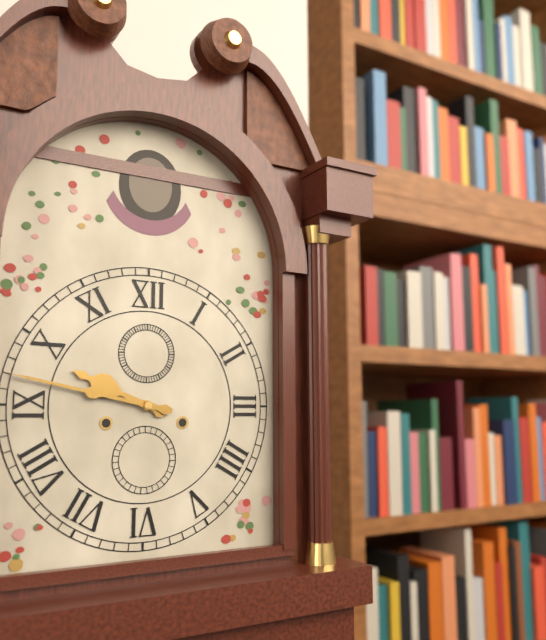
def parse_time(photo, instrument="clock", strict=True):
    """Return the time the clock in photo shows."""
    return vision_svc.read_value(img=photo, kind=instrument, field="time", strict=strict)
9:47
